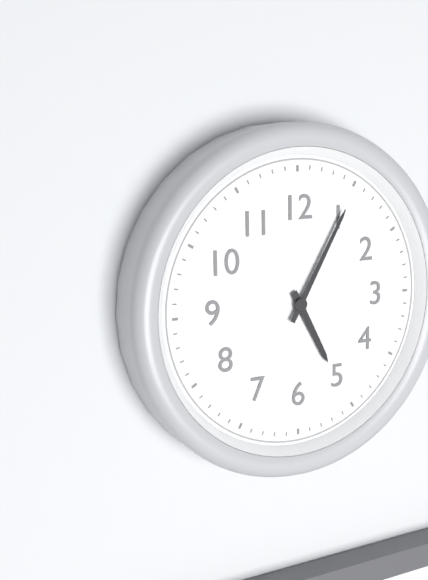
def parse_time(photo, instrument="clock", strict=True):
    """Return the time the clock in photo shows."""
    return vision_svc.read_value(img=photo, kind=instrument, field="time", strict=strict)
5:05
